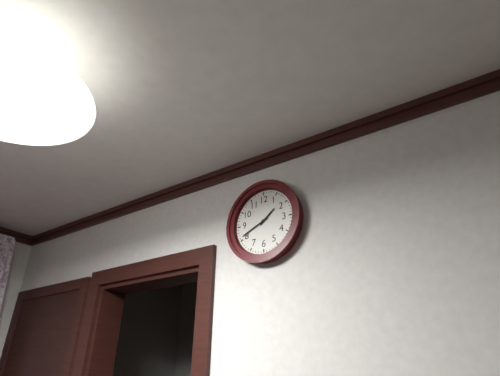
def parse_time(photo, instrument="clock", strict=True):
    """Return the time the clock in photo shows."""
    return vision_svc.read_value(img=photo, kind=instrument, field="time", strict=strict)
1:41
